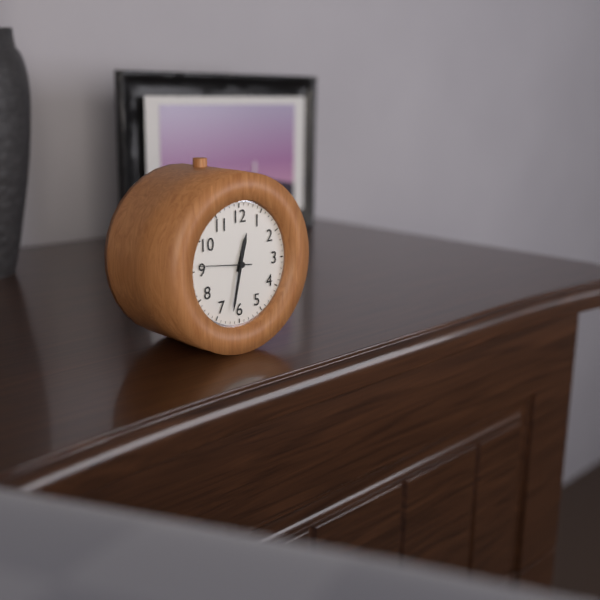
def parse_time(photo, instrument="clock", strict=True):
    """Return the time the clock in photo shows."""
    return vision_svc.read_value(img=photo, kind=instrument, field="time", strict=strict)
12:32:46
